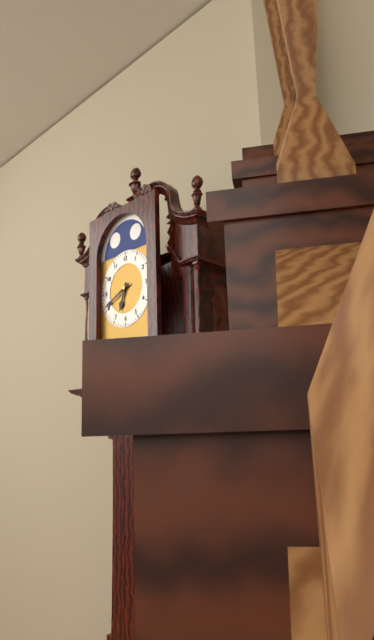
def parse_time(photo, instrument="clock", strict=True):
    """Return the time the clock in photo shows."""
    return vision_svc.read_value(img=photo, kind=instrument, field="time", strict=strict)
6:41
